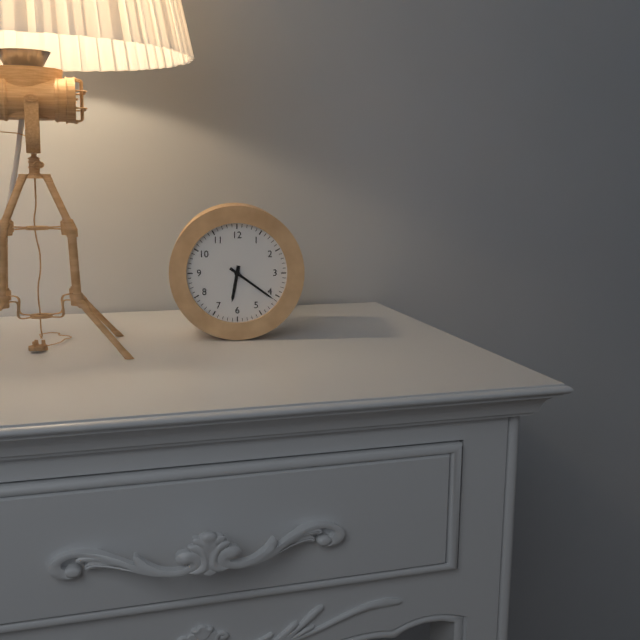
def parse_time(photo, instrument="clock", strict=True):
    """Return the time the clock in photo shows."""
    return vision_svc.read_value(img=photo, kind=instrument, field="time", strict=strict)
6:21
